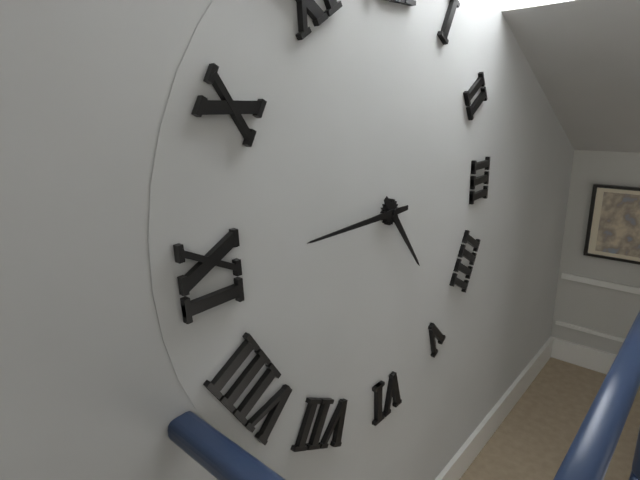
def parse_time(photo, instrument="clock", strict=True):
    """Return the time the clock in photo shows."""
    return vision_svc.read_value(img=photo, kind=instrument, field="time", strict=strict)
4:45
